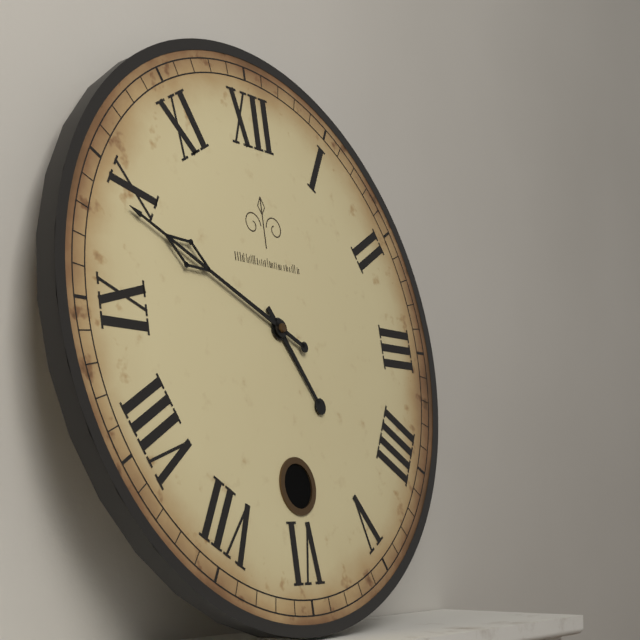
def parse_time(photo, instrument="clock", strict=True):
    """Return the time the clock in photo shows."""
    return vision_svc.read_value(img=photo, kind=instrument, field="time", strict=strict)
4:49
